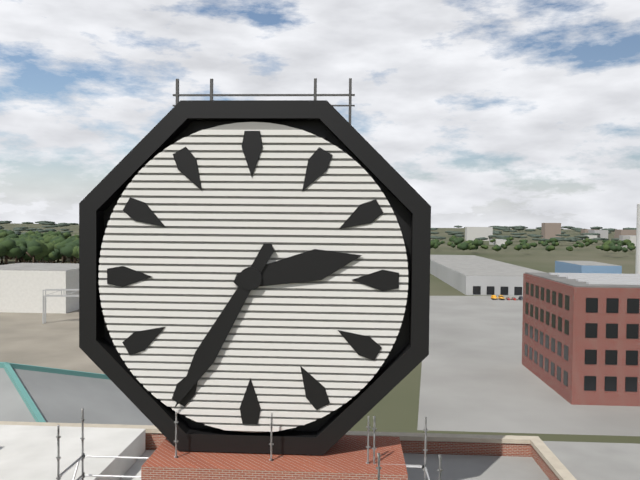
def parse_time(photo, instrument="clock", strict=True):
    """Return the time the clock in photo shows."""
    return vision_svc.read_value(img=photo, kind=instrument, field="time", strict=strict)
2:35
